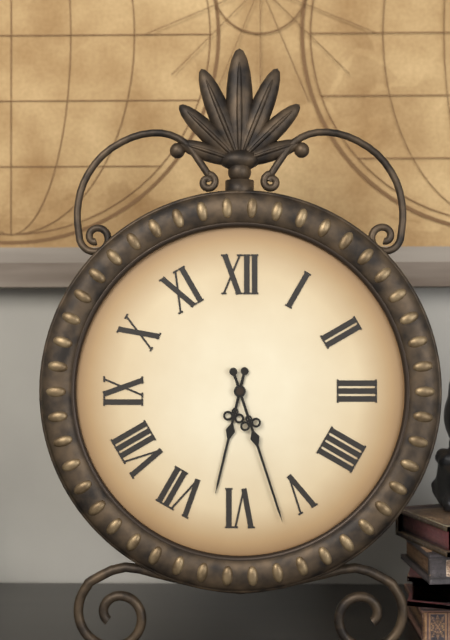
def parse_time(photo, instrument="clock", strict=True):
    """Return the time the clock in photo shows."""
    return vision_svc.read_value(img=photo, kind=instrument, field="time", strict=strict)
6:27
